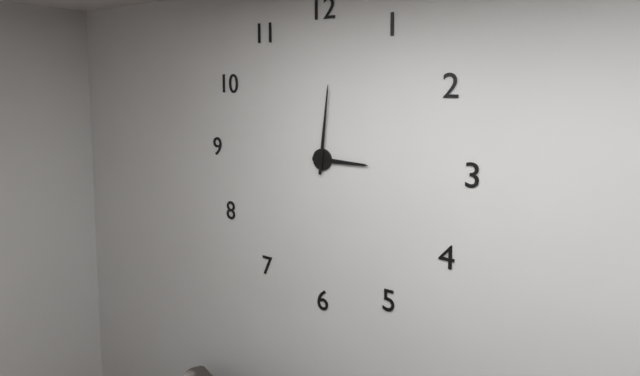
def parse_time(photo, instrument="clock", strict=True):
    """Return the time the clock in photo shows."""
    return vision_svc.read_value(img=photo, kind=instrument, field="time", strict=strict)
3:01
